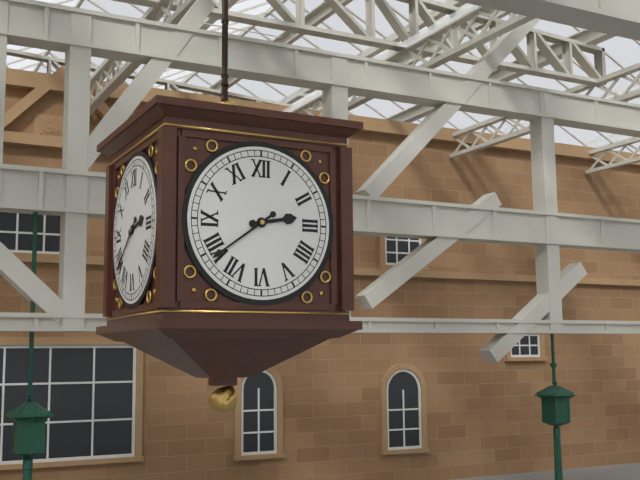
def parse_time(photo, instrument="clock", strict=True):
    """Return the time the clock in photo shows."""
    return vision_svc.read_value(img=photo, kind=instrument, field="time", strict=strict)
2:39
